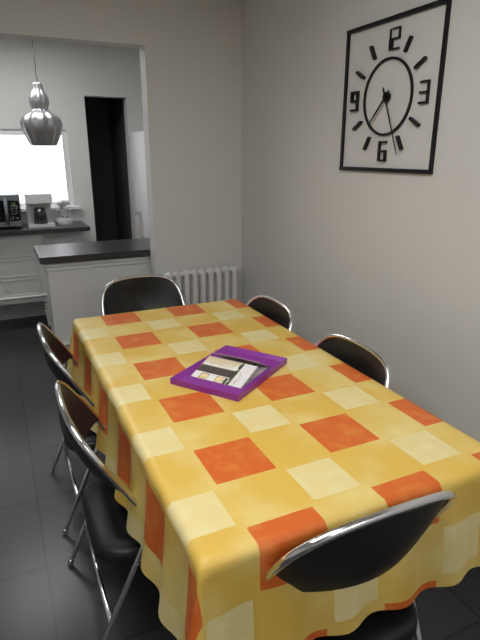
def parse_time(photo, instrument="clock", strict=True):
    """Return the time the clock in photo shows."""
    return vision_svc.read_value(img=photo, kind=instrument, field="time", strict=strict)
7:26
